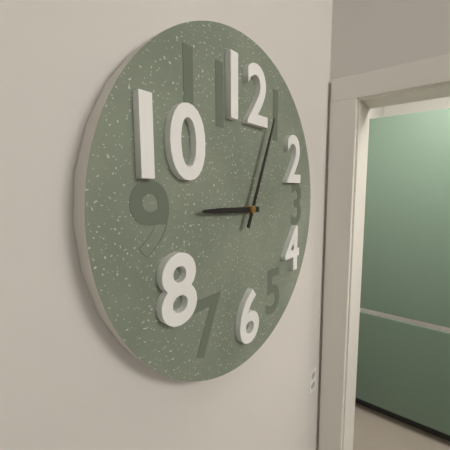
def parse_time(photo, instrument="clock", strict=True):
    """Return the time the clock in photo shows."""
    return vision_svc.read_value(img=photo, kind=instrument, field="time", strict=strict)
9:04
